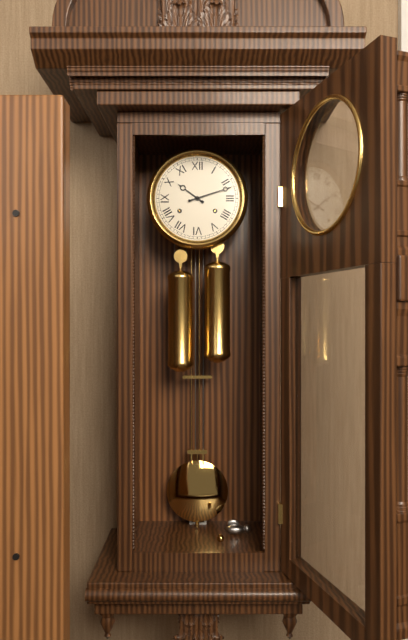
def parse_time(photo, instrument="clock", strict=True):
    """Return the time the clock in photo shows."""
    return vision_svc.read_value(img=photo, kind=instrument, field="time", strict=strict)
10:12
